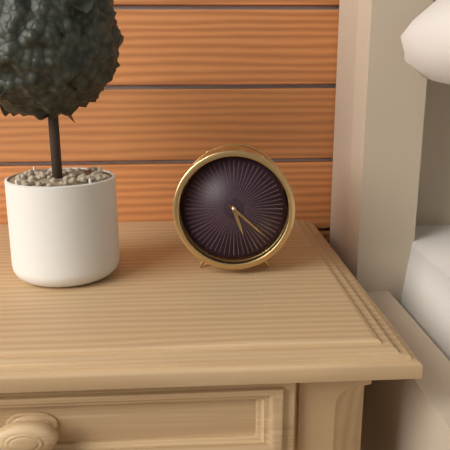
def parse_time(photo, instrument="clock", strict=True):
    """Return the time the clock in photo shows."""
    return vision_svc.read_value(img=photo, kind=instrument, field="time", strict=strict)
5:22
